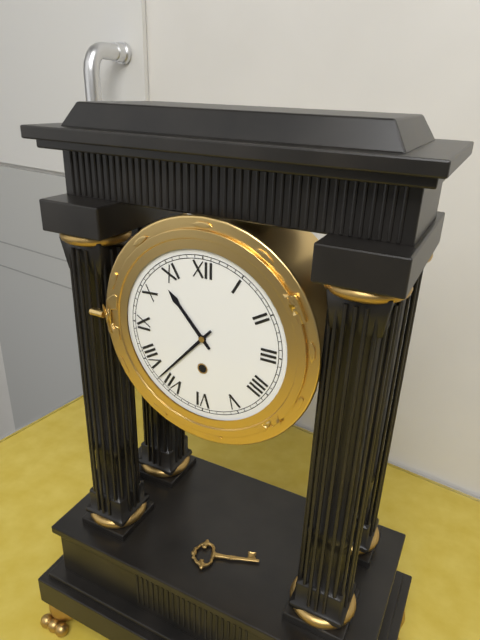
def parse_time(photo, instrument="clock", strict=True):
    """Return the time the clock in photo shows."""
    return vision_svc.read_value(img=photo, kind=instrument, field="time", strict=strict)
10:37
